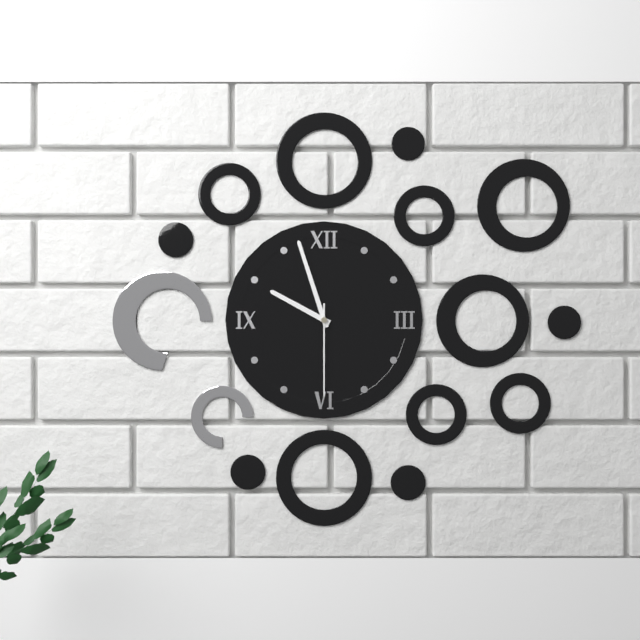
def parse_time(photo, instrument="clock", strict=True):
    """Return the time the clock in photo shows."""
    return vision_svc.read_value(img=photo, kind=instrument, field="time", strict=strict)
9:57:30
